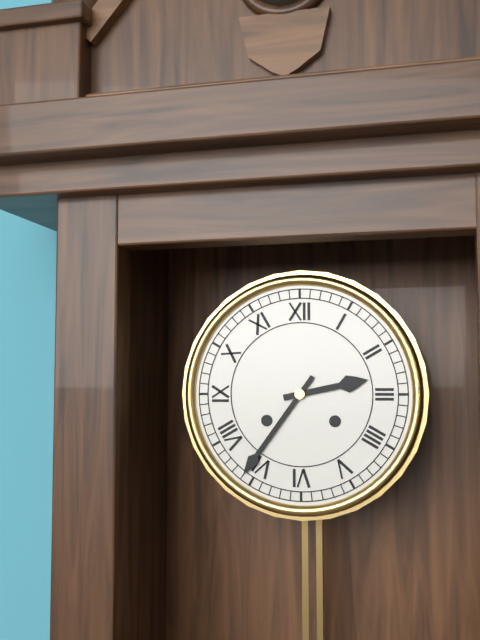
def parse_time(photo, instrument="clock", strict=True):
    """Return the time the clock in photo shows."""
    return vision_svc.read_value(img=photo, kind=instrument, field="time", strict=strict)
2:36
